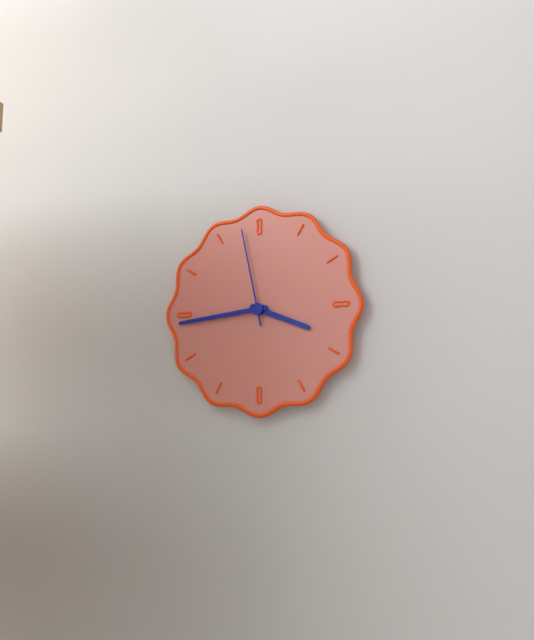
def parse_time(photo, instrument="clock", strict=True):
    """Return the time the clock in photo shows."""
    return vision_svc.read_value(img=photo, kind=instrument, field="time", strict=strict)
3:44:58
